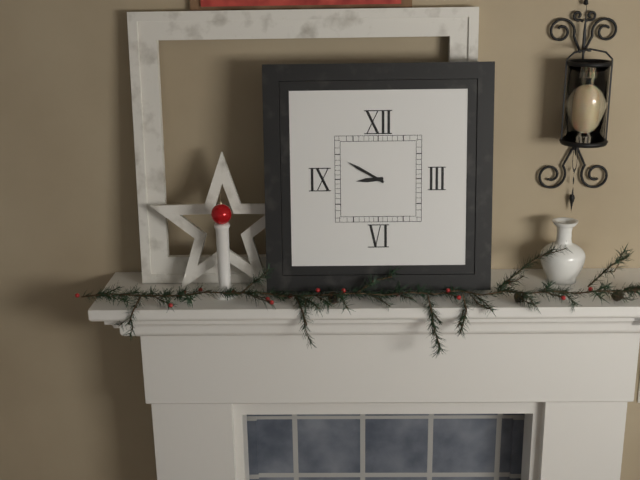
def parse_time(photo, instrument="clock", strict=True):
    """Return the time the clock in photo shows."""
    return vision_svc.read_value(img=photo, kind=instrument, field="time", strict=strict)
8:50
